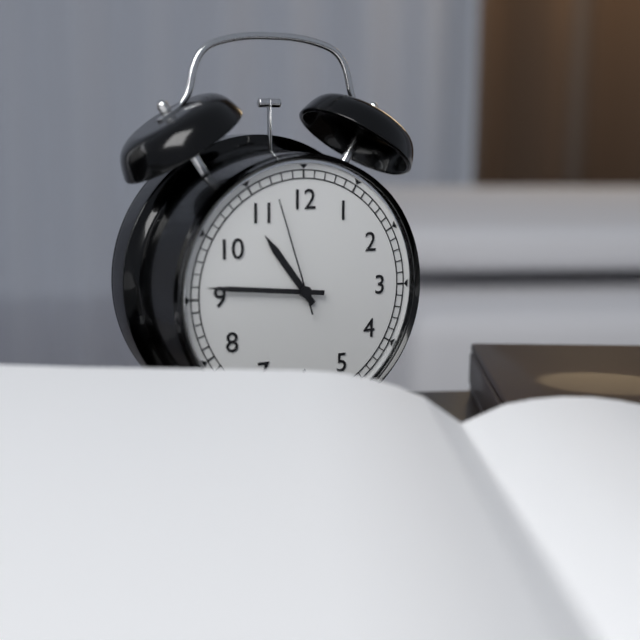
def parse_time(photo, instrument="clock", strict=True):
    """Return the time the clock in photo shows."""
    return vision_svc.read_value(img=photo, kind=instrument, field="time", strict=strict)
10:46:57
